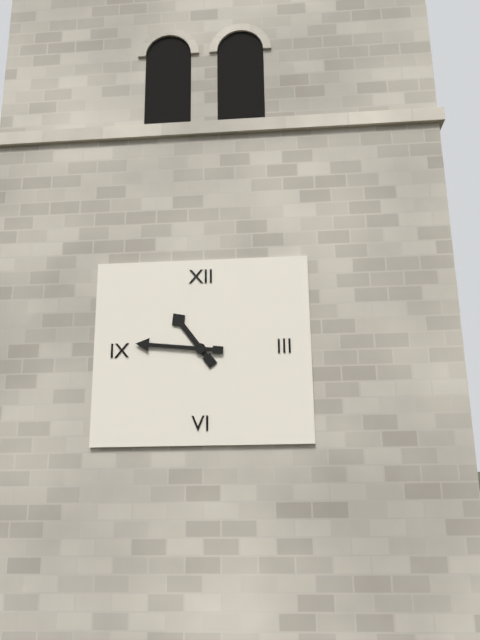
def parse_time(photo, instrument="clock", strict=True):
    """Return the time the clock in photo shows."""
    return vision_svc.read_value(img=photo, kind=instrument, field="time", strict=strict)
10:46
